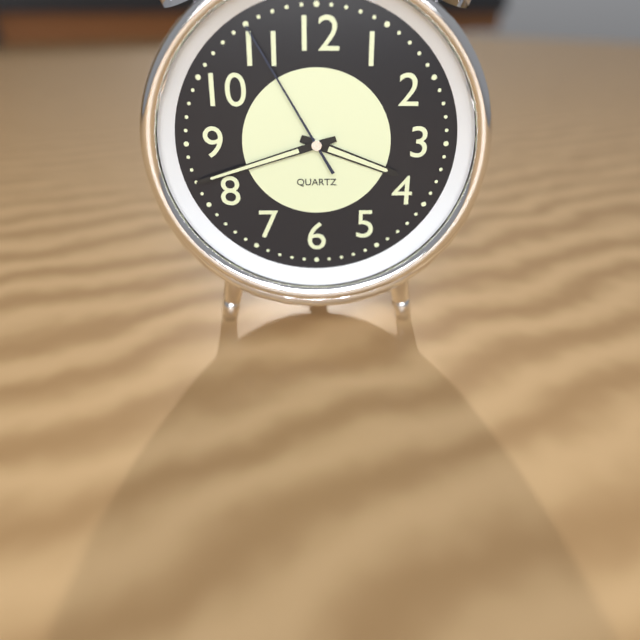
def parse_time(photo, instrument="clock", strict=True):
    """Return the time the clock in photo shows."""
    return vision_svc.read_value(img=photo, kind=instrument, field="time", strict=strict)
3:42:55
